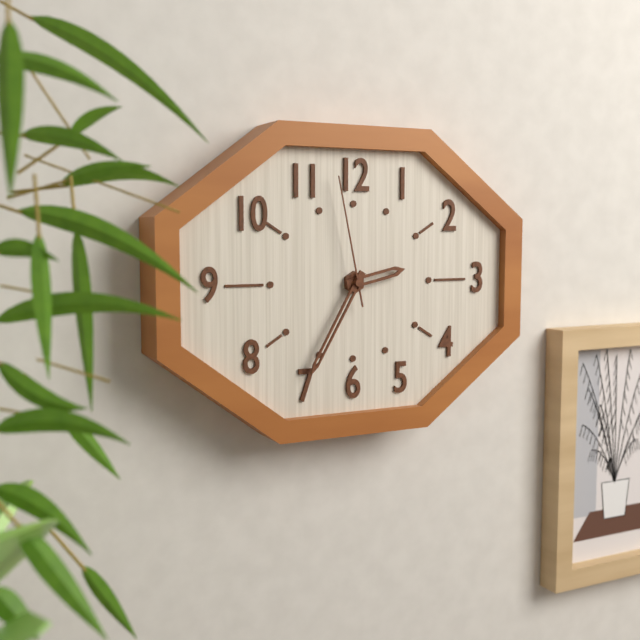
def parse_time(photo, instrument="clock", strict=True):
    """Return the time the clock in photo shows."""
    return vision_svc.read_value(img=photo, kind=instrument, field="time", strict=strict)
2:35:58
